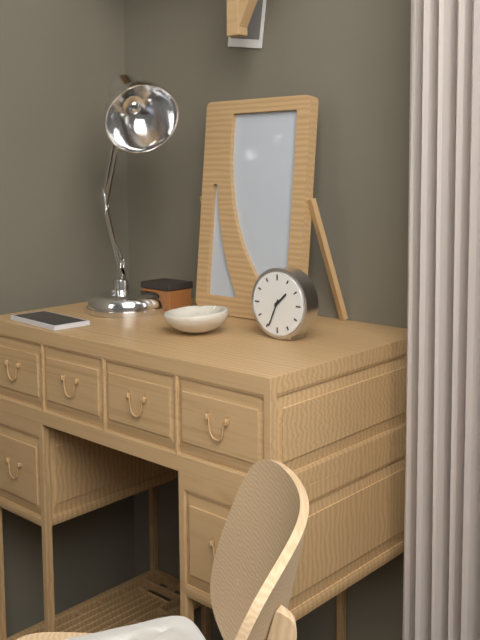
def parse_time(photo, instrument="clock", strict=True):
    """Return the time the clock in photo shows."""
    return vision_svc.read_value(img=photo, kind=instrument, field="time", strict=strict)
1:34
